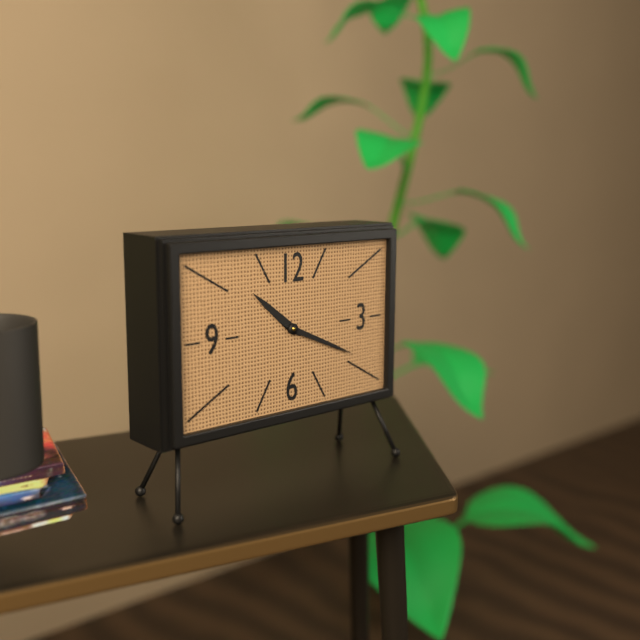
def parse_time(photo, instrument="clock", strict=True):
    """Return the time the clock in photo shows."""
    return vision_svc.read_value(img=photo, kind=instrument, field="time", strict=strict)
10:19
